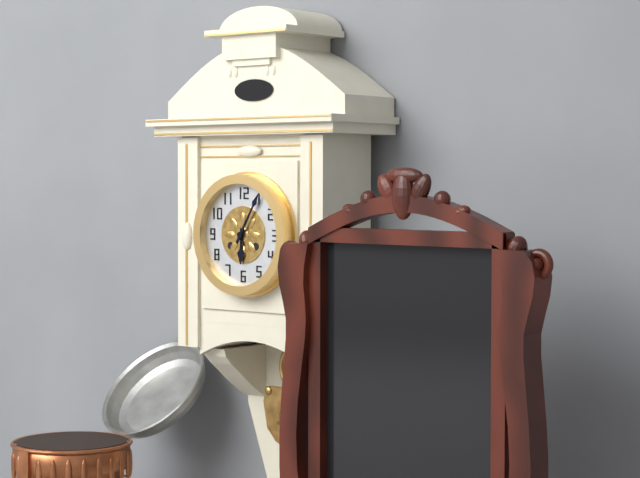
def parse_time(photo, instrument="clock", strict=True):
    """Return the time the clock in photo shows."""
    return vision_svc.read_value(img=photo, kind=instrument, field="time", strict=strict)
6:05
